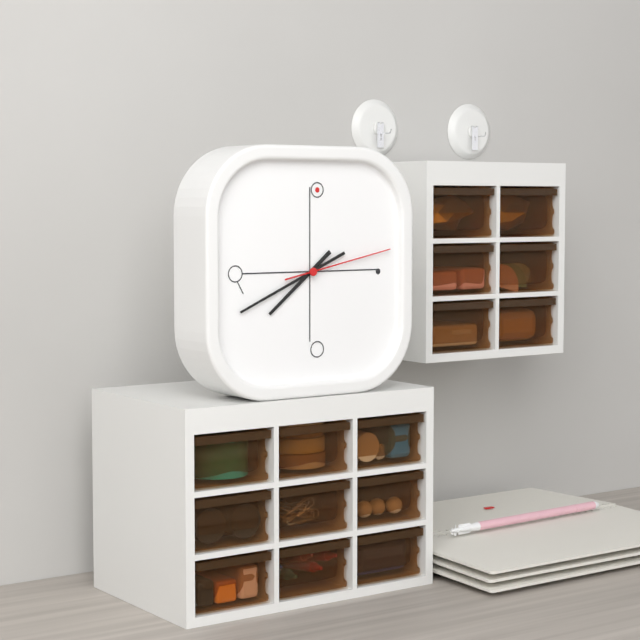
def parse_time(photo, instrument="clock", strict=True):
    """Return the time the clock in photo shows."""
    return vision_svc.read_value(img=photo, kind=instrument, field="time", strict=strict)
7:41:13
